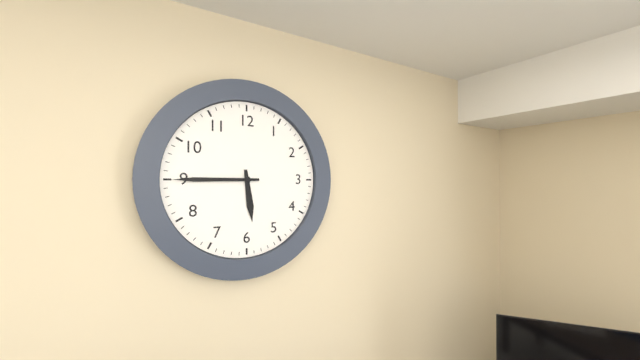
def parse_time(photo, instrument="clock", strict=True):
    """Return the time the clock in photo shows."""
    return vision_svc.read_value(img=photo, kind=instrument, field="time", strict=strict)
5:45
